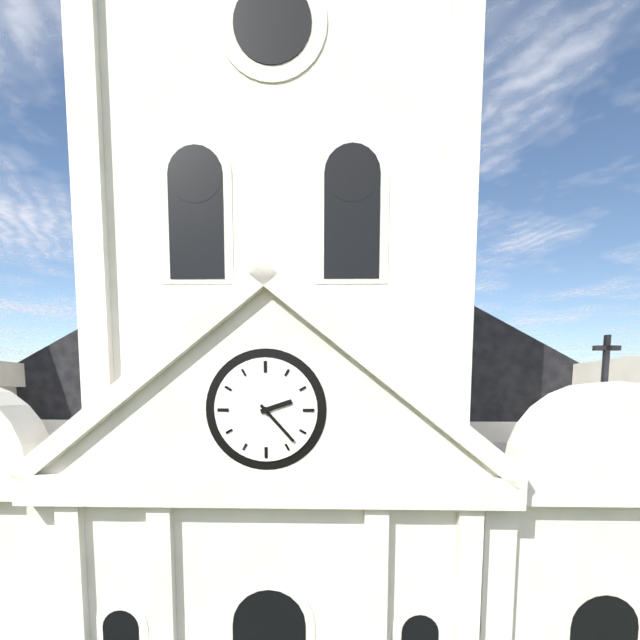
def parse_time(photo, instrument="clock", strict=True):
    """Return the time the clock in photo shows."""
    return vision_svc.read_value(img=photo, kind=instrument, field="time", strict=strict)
2:23
